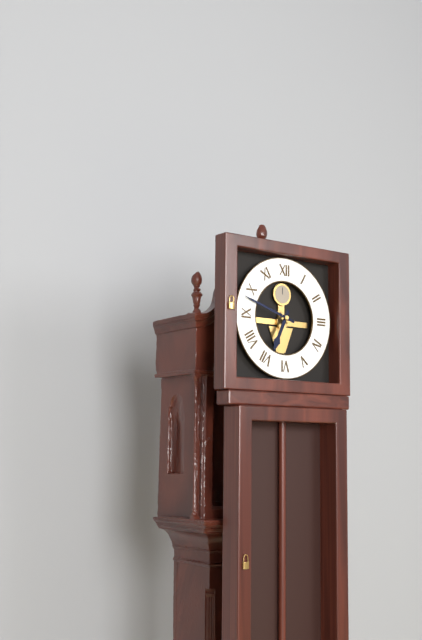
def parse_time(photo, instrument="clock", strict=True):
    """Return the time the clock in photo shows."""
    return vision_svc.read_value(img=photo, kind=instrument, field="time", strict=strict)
6:48
